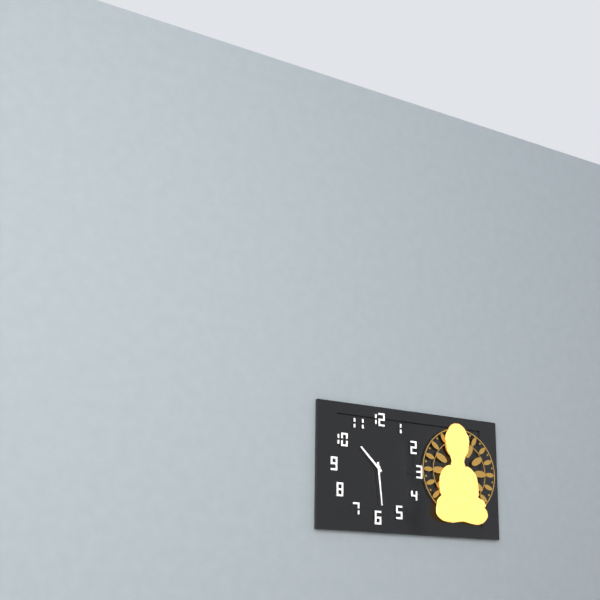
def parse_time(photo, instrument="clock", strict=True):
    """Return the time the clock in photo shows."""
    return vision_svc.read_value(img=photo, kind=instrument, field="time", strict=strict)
10:29
